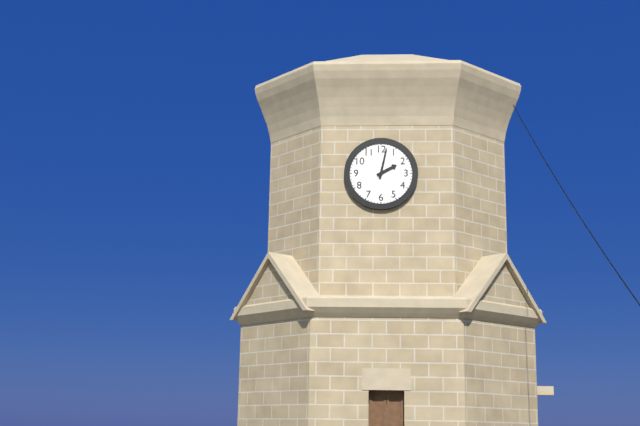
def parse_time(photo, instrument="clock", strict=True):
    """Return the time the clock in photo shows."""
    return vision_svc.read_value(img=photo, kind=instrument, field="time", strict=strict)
2:02
